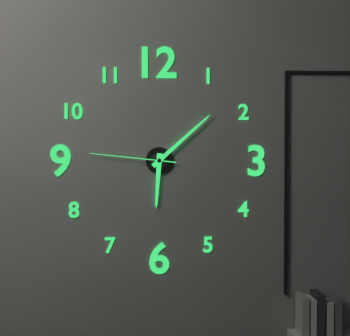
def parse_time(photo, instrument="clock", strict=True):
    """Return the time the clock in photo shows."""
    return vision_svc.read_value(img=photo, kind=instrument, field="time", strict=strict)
6:08:46
